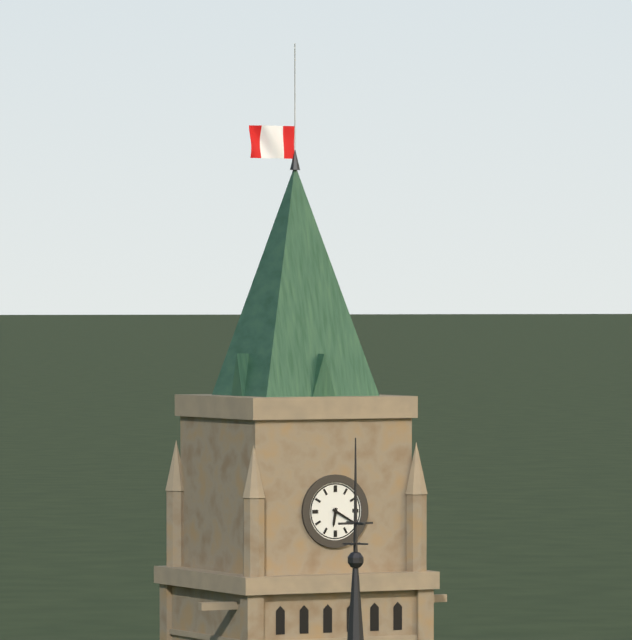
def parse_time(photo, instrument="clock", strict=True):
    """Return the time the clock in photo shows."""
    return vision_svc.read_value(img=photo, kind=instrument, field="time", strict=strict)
6:20
